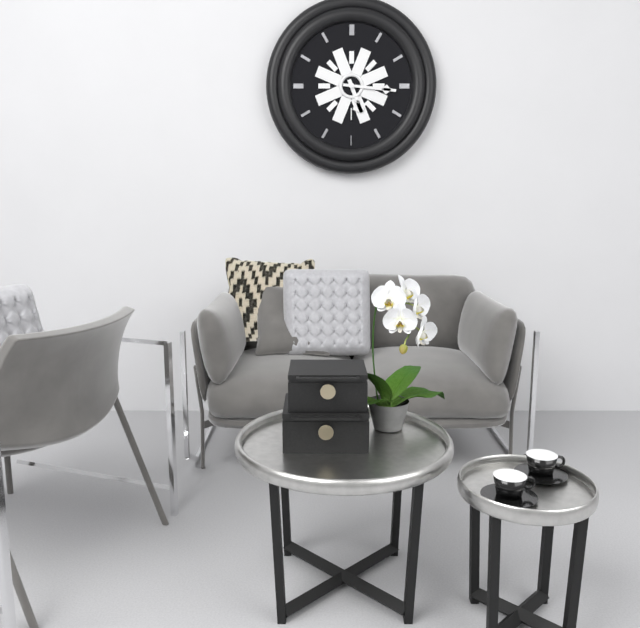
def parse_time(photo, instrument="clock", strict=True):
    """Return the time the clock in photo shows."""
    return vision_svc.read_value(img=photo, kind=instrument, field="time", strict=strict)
5:16
